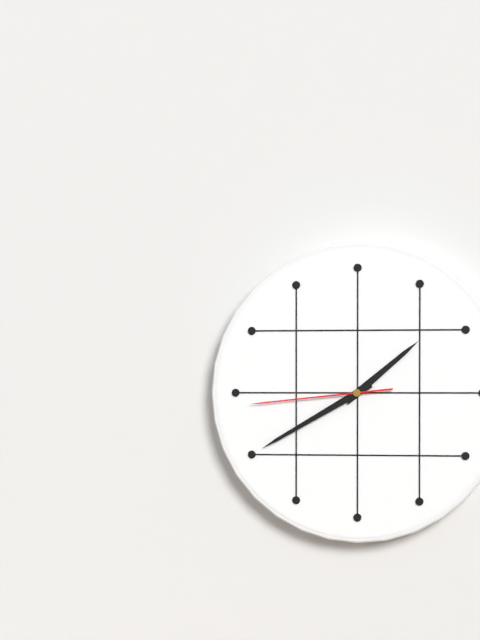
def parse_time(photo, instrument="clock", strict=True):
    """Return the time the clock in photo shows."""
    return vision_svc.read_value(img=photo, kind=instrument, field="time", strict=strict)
1:40:44
